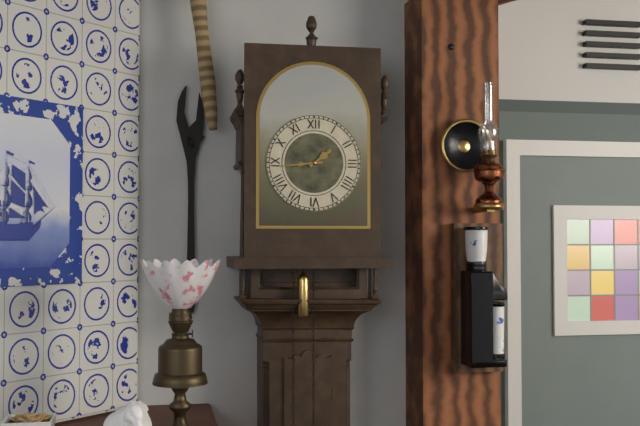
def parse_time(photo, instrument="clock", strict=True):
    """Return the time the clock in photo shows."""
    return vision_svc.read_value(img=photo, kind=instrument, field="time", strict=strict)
1:44
